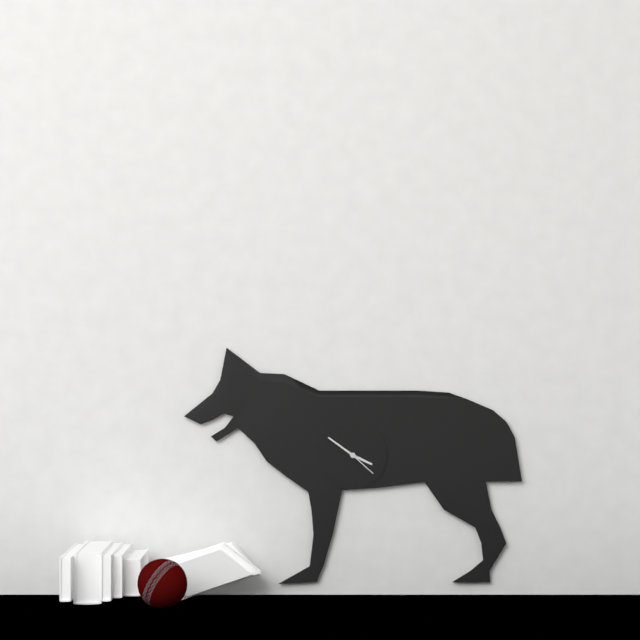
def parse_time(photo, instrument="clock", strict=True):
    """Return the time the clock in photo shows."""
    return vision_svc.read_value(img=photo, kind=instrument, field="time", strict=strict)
3:51
